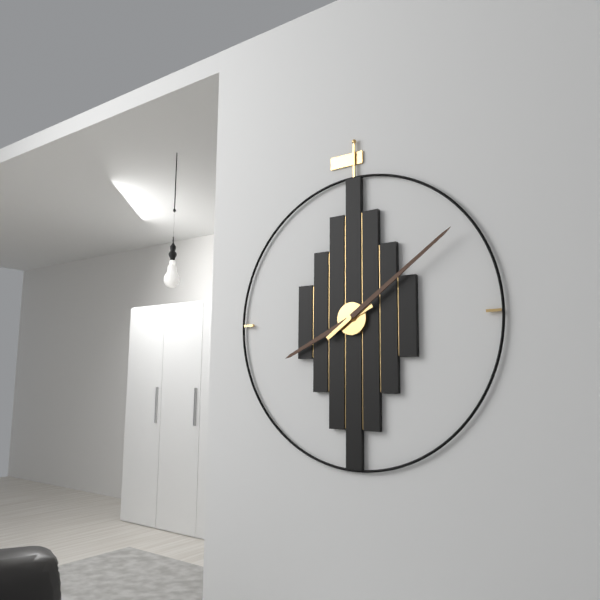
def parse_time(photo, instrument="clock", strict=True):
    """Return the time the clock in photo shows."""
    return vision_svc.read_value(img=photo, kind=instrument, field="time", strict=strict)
8:09
